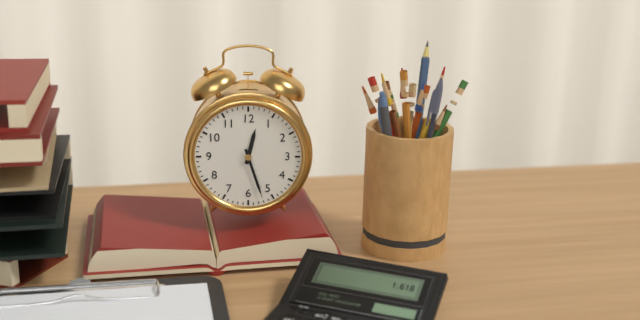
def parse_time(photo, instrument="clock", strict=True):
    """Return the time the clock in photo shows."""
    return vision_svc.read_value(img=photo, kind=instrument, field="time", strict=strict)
12:27
